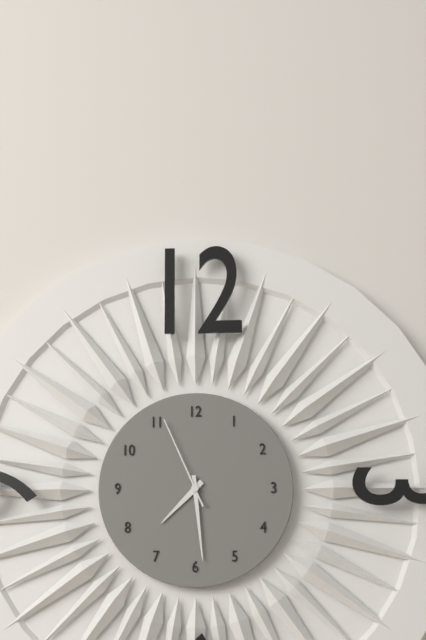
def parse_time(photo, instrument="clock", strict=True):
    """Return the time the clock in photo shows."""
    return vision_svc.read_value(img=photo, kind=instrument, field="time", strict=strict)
7:29:56
